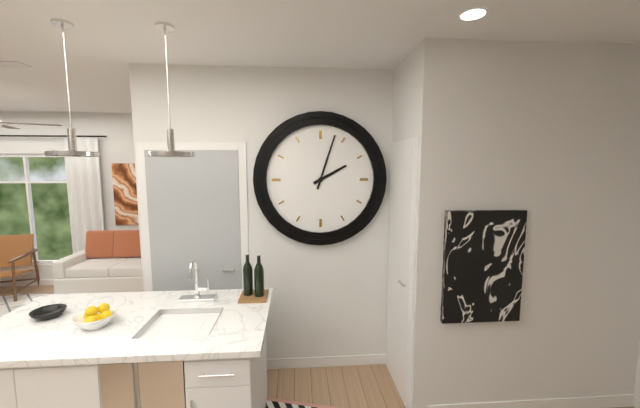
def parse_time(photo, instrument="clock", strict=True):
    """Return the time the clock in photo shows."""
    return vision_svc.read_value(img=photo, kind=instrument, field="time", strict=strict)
2:03
